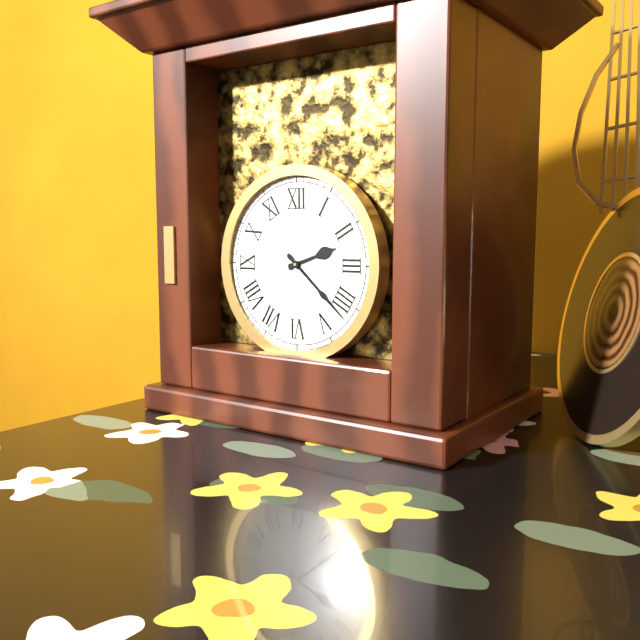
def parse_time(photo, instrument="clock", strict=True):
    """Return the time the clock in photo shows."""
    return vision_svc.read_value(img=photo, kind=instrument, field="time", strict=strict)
2:22
